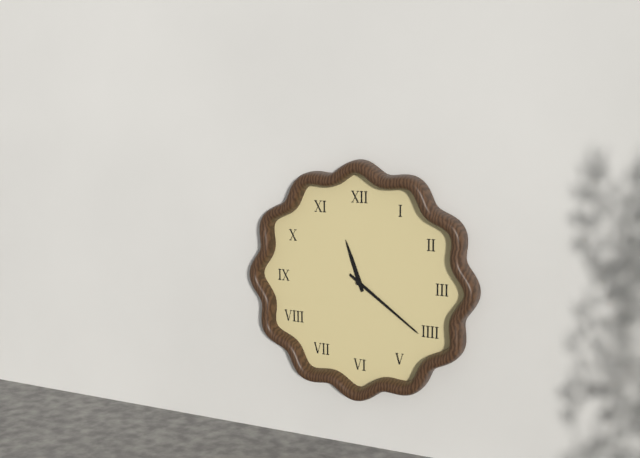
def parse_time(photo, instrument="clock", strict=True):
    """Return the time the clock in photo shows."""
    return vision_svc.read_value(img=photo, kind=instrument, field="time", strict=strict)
11:21
